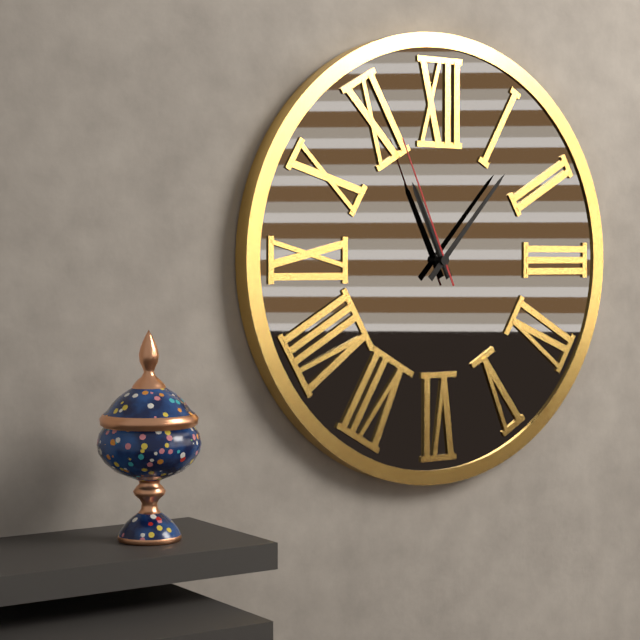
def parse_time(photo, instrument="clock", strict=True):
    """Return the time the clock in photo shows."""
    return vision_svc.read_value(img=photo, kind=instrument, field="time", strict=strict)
11:07:56
